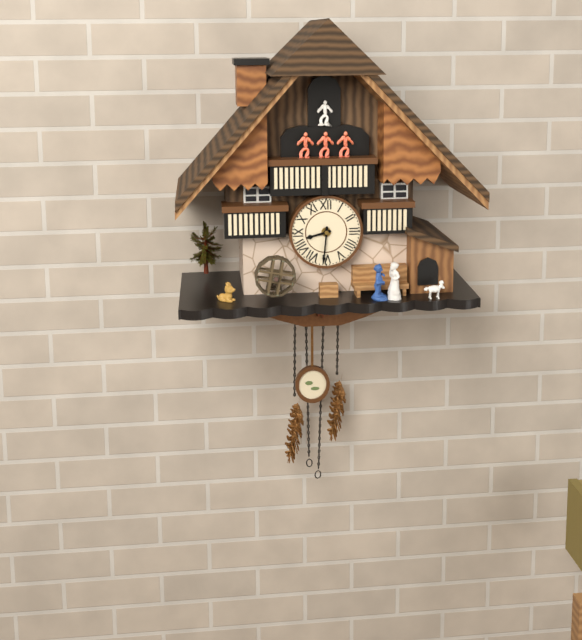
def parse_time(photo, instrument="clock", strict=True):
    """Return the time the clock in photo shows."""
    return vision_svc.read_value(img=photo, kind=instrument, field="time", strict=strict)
8:31
